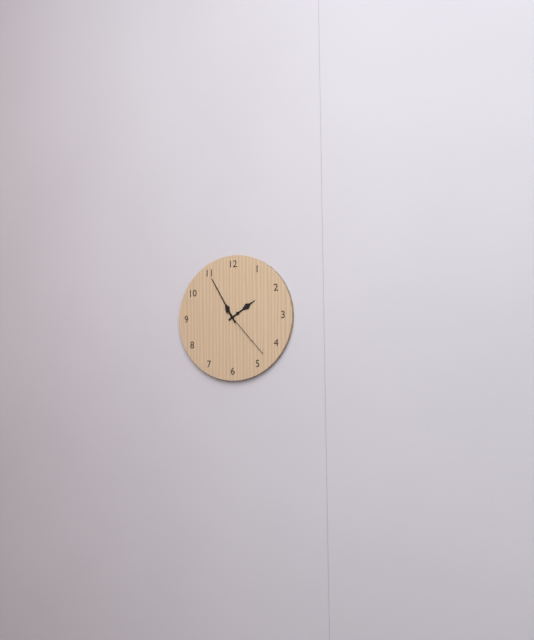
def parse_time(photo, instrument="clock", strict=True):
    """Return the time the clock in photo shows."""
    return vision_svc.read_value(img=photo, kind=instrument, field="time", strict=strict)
1:55:23
